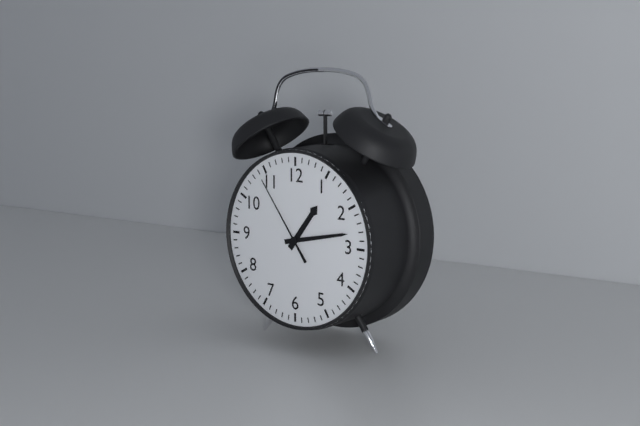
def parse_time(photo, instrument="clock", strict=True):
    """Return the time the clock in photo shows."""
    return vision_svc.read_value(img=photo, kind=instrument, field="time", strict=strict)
1:13:54
